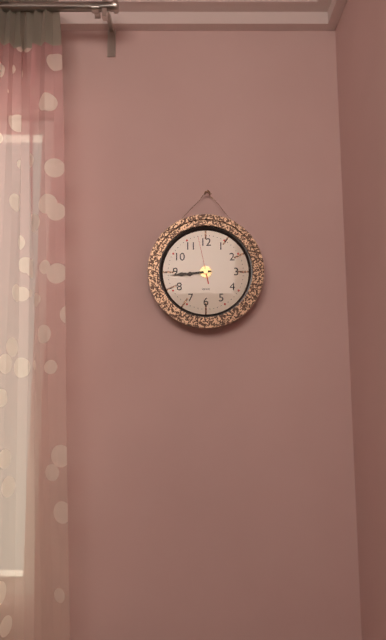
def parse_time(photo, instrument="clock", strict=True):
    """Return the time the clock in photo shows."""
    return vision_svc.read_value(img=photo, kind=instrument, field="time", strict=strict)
8:44
